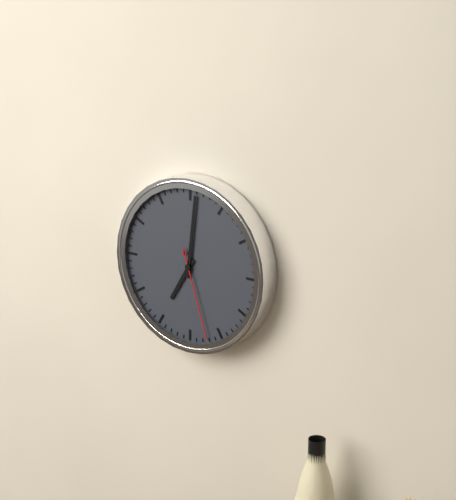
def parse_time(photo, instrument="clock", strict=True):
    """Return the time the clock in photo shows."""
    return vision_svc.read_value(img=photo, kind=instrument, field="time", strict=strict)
7:01:27
